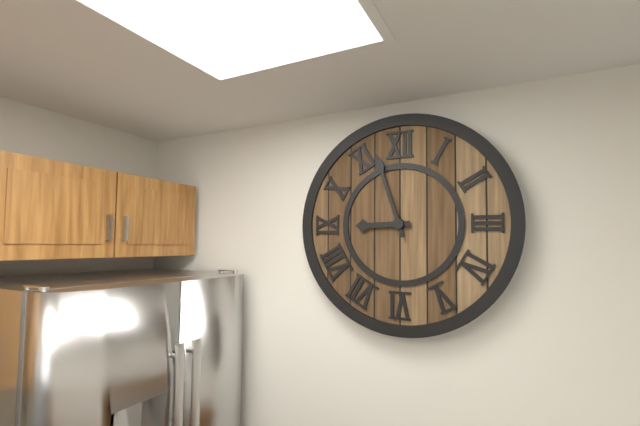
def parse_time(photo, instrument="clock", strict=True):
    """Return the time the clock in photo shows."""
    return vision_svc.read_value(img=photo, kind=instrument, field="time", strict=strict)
8:57
